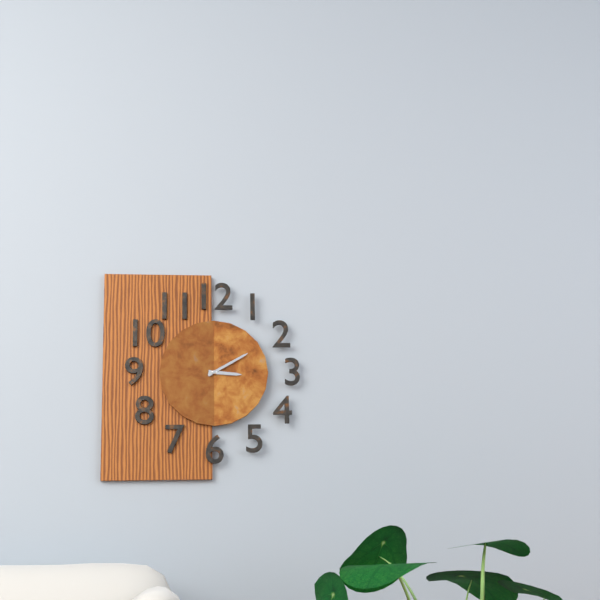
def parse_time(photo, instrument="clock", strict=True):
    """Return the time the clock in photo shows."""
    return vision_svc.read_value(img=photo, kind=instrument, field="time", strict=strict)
3:10
